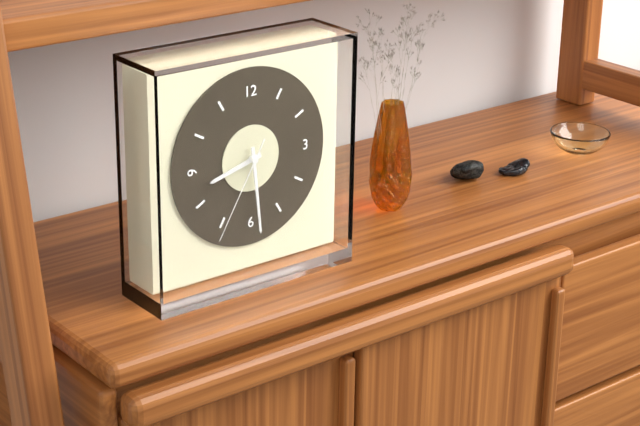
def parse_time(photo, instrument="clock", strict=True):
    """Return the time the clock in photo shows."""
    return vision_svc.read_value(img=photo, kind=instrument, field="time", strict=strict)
8:29:35
